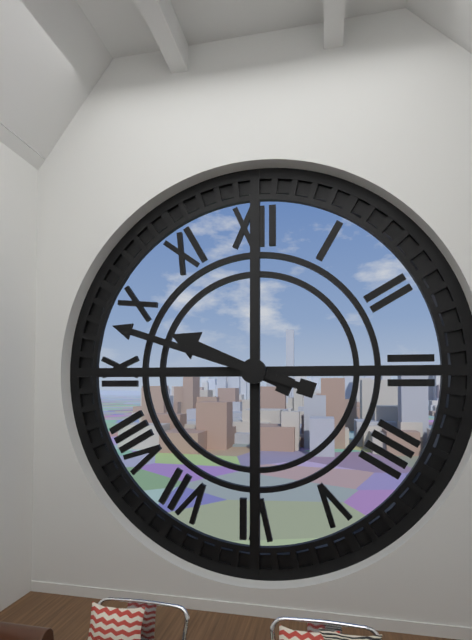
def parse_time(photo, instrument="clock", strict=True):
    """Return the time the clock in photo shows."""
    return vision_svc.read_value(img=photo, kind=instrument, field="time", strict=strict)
9:48
